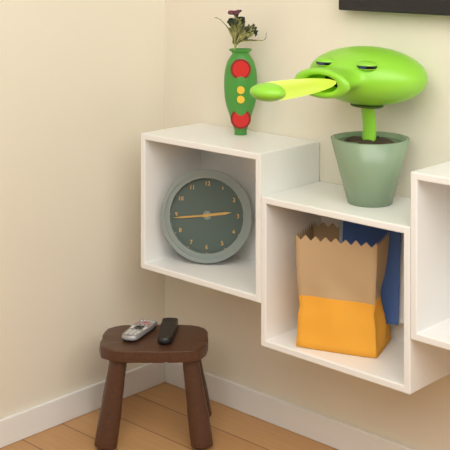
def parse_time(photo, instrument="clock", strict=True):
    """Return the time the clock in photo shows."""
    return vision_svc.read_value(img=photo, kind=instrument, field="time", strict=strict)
2:44
